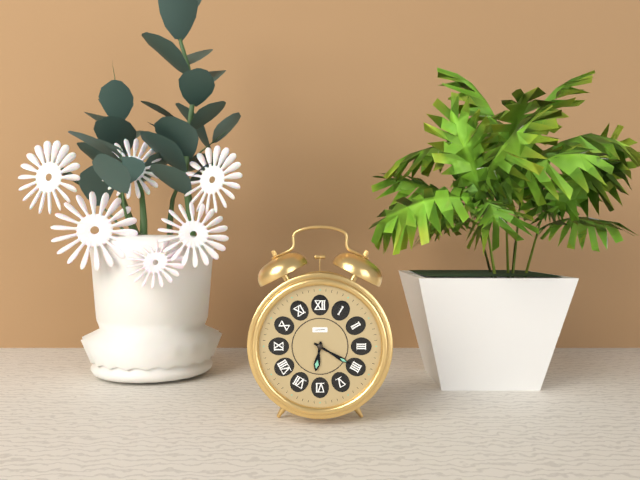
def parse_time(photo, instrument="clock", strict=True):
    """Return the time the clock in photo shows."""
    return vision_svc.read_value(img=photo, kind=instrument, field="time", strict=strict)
6:20
